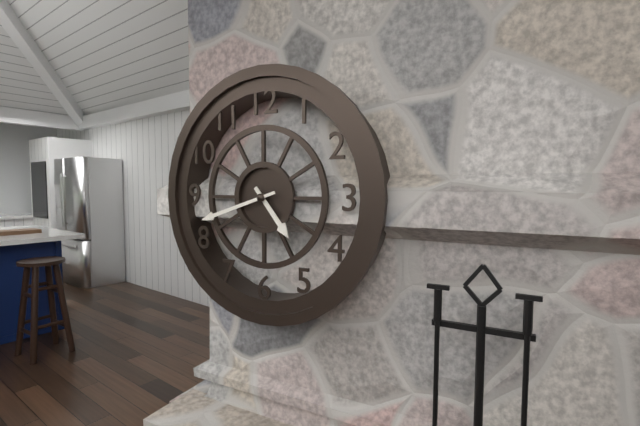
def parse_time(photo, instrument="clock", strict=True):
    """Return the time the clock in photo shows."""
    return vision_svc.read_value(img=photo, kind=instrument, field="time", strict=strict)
4:42
